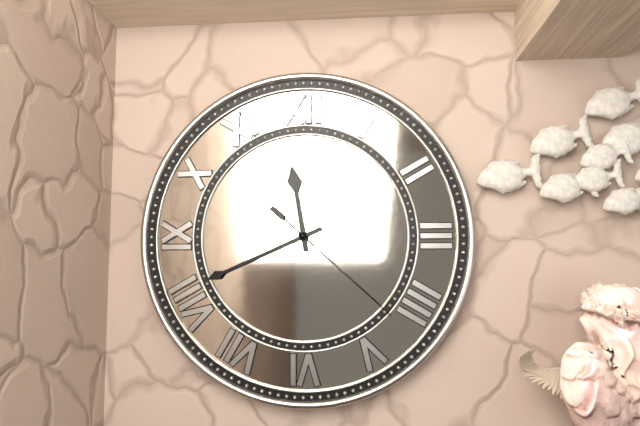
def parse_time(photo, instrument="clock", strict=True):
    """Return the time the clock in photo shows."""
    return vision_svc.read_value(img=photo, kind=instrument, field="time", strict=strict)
11:41:22
